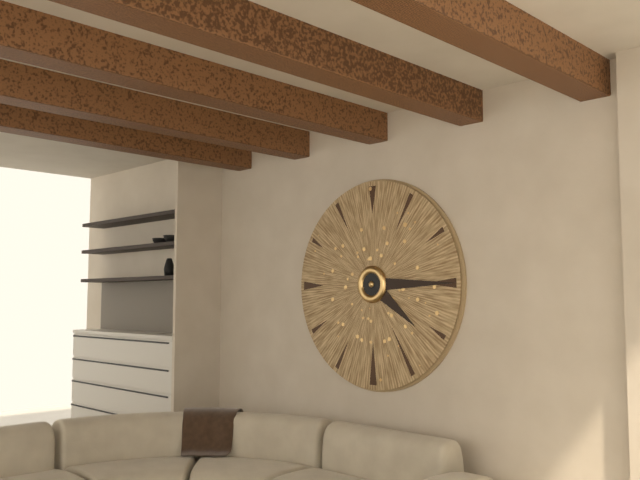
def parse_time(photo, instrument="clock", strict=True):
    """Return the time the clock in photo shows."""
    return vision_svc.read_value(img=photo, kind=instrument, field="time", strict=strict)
4:15
